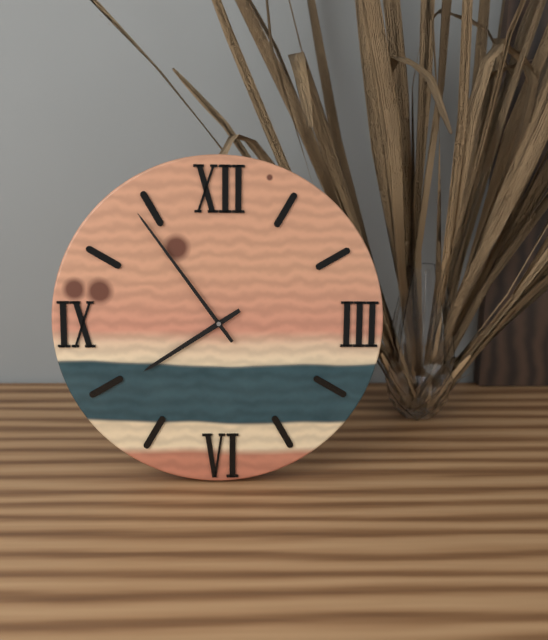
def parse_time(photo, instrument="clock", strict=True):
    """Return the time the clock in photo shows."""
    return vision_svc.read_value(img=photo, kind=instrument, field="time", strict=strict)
7:54
